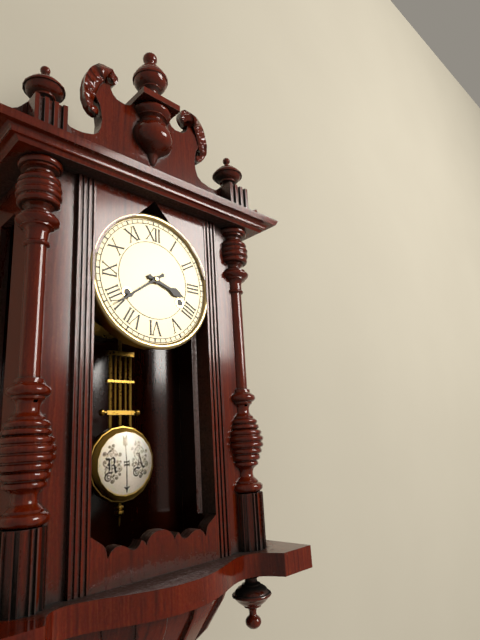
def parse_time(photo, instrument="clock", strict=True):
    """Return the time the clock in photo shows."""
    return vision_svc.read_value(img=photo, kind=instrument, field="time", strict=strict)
3:39
